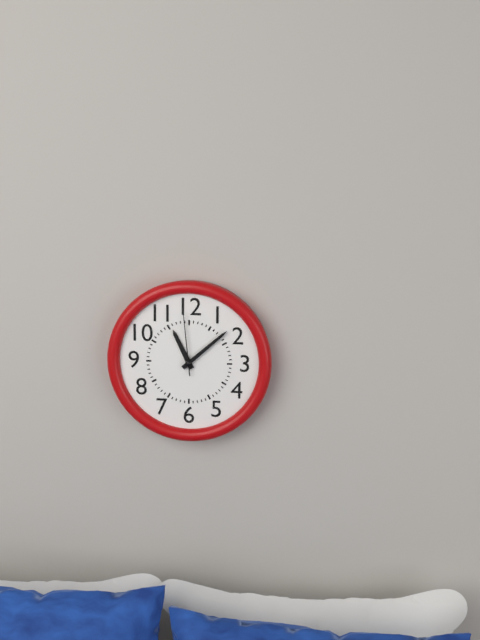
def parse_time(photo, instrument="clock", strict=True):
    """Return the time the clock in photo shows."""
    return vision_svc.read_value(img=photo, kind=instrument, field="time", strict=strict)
11:08:59
